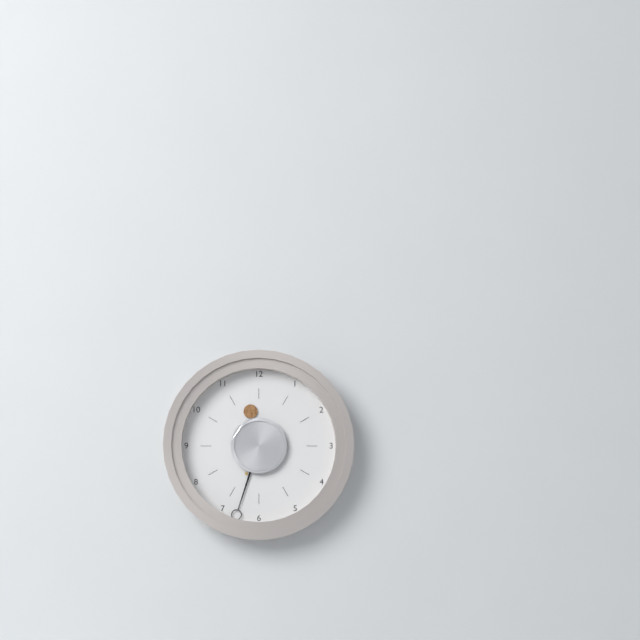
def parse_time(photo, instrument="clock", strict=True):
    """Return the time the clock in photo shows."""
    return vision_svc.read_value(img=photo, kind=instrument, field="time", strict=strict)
11:33
